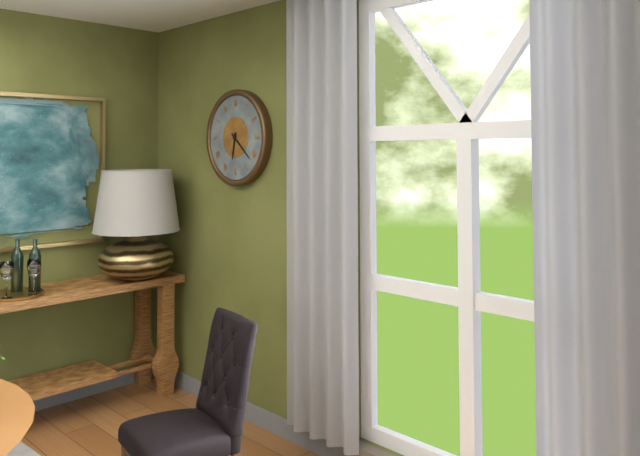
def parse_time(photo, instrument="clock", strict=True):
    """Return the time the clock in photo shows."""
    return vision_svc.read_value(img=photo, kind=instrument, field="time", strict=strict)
6:22
